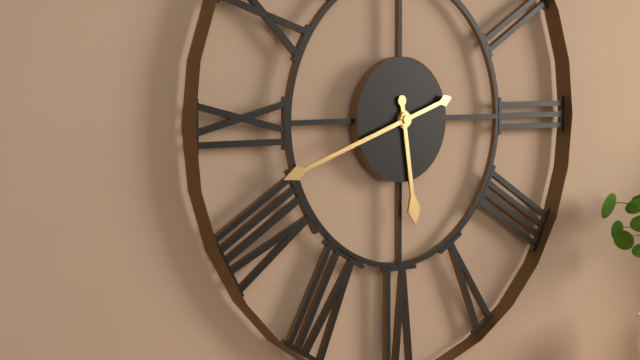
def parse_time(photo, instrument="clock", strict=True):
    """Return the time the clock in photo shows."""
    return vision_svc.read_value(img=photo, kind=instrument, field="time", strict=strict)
5:42
